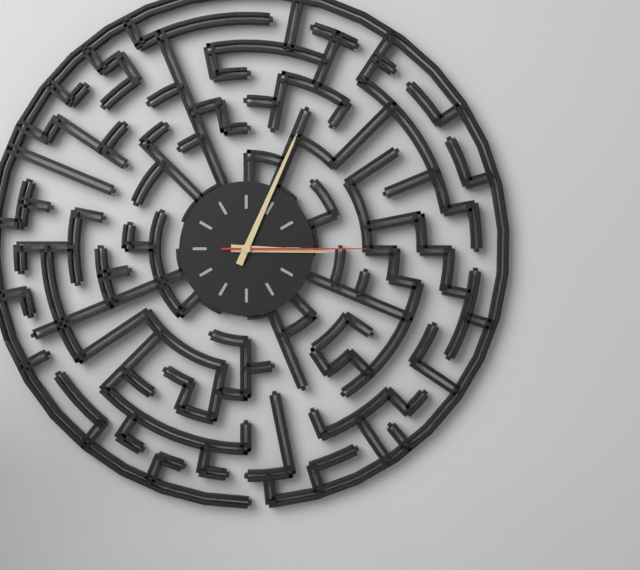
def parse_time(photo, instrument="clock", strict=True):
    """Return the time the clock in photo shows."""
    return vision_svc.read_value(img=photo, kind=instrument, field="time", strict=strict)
3:04:15
